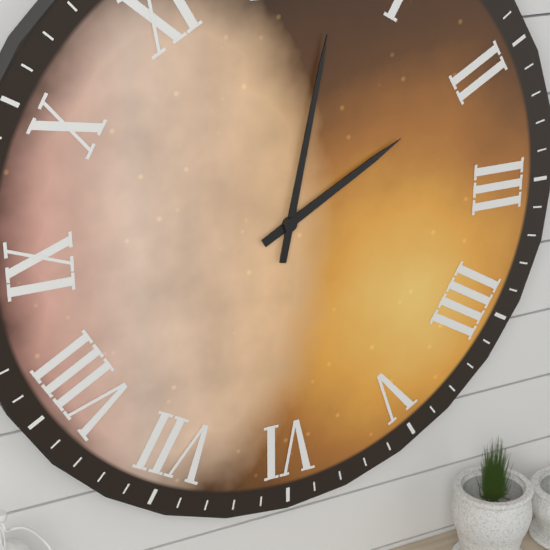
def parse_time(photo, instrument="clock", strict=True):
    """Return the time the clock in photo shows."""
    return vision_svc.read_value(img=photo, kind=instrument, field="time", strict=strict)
2:02
